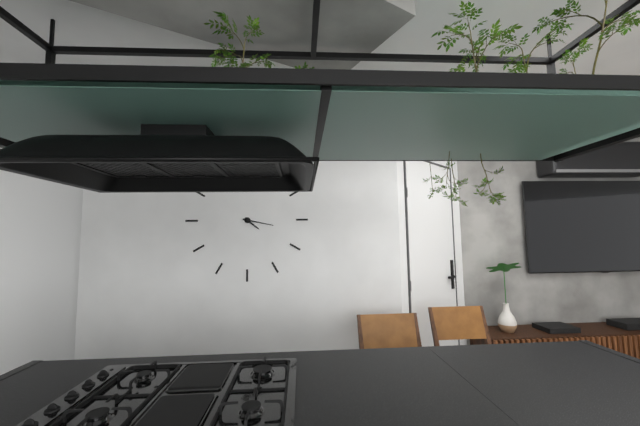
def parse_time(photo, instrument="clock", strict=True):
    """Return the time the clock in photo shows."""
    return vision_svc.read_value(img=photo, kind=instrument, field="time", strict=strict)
4:17
